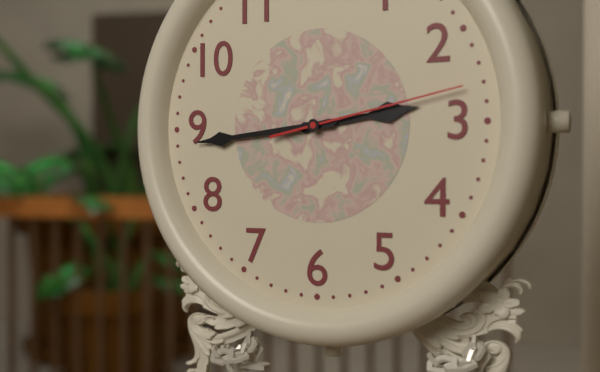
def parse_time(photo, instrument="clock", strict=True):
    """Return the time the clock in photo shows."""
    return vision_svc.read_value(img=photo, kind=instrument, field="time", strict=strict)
2:44:13
